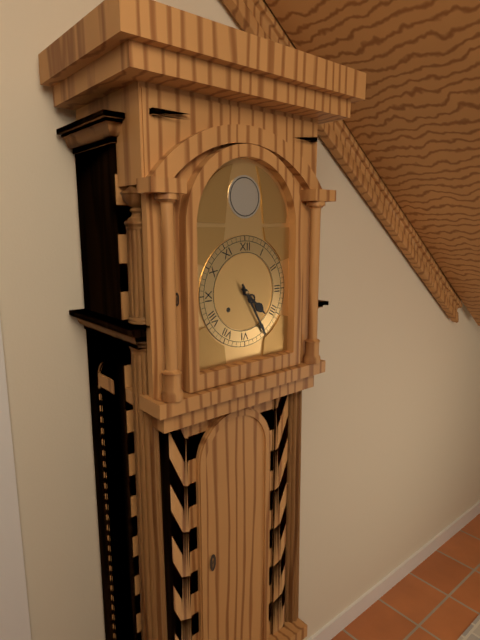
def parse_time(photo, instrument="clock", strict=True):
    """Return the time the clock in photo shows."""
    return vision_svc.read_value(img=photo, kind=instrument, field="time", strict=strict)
4:25
